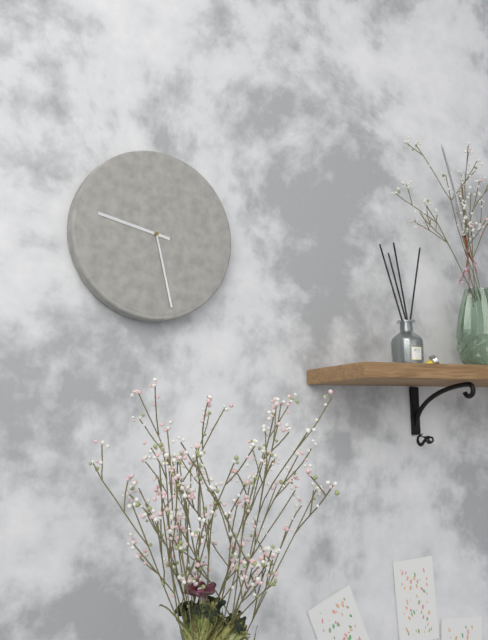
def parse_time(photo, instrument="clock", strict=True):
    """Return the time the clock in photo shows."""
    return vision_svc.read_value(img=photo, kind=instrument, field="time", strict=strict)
9:28
